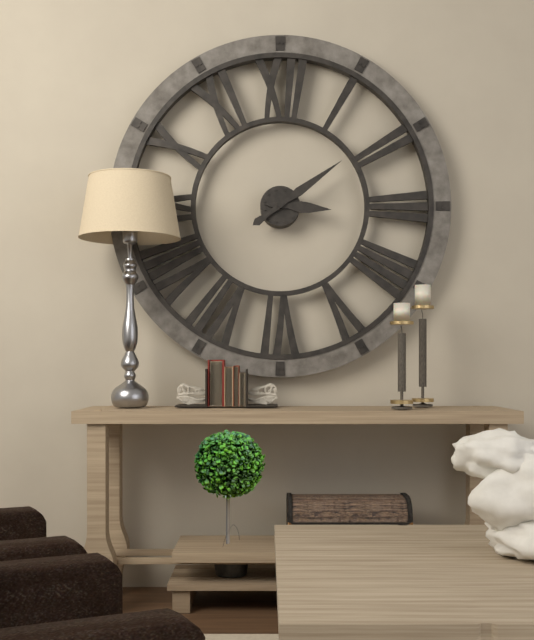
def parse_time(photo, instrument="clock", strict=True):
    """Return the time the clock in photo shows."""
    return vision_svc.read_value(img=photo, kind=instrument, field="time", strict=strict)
3:09
